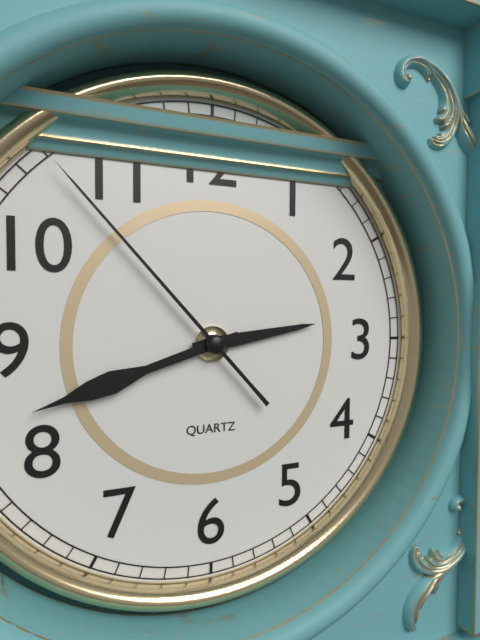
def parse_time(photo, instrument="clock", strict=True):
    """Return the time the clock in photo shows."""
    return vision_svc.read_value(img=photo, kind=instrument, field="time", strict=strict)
2:42:53
